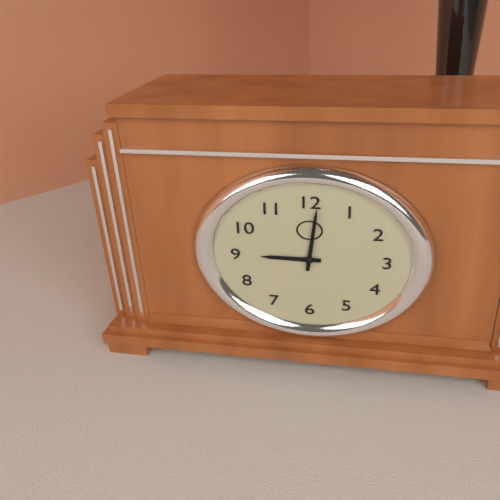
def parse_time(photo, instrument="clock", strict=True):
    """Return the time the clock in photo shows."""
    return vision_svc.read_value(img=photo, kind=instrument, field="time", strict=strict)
9:01
